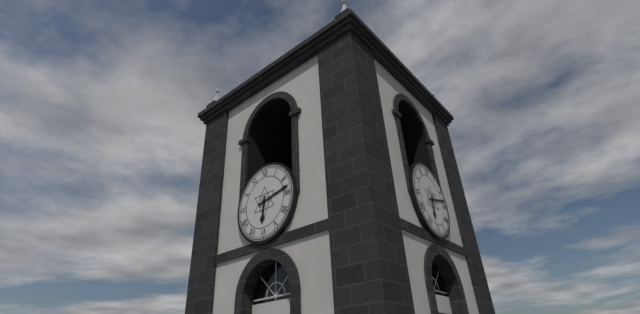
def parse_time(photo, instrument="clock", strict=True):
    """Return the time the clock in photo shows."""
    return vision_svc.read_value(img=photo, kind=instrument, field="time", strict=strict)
6:13
